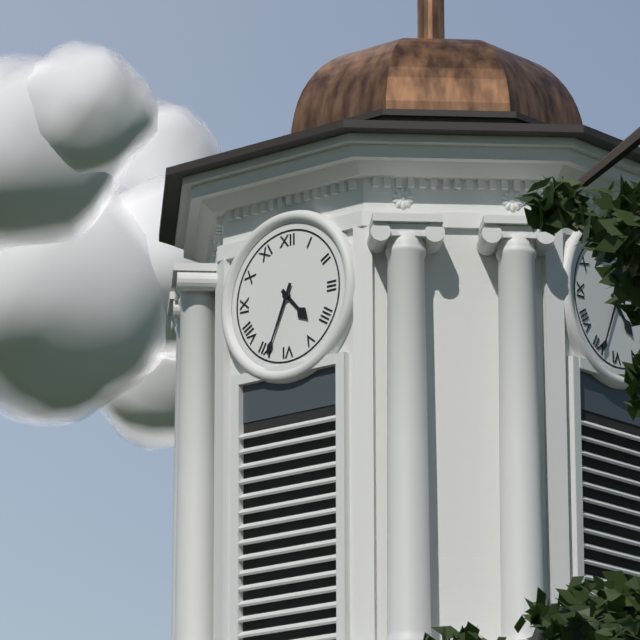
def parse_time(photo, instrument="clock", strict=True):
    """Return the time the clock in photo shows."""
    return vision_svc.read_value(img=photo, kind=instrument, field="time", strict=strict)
4:34
